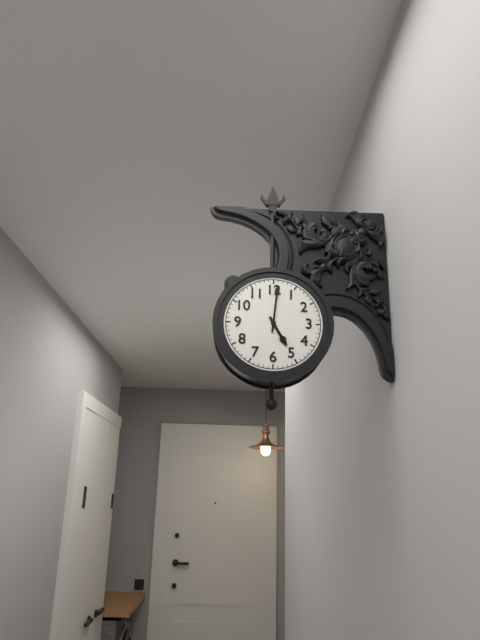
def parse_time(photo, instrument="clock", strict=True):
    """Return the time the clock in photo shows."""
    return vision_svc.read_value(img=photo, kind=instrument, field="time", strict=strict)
5:01
